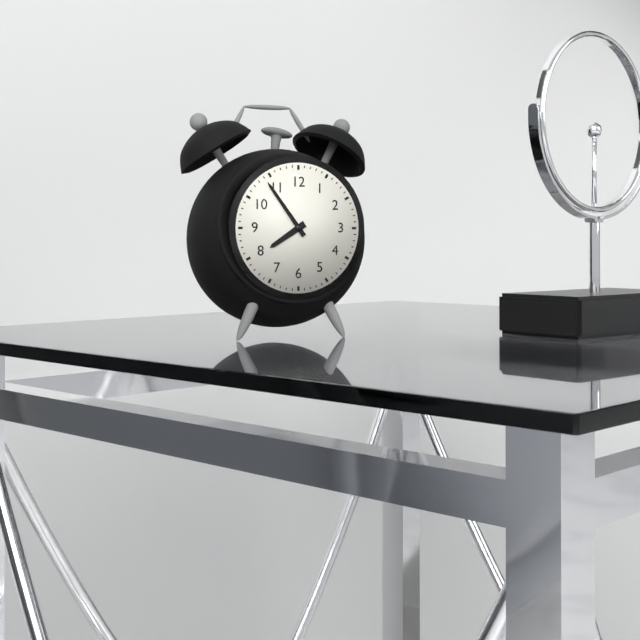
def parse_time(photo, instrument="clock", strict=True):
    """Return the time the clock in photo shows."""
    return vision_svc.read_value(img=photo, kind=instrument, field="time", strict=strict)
7:54
